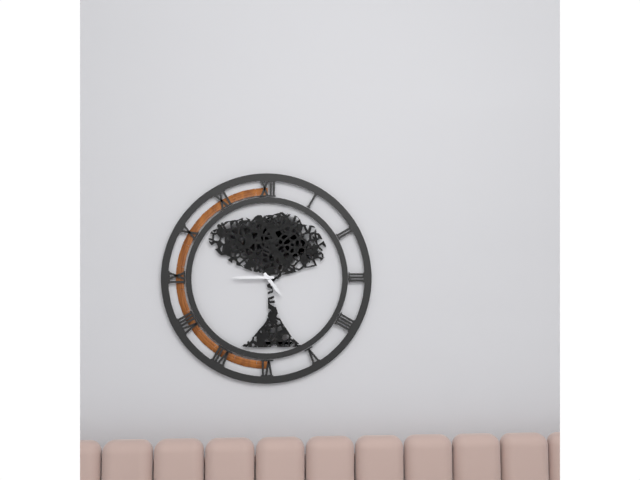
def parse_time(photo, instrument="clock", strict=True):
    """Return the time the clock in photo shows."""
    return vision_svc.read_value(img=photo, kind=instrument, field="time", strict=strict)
4:45
